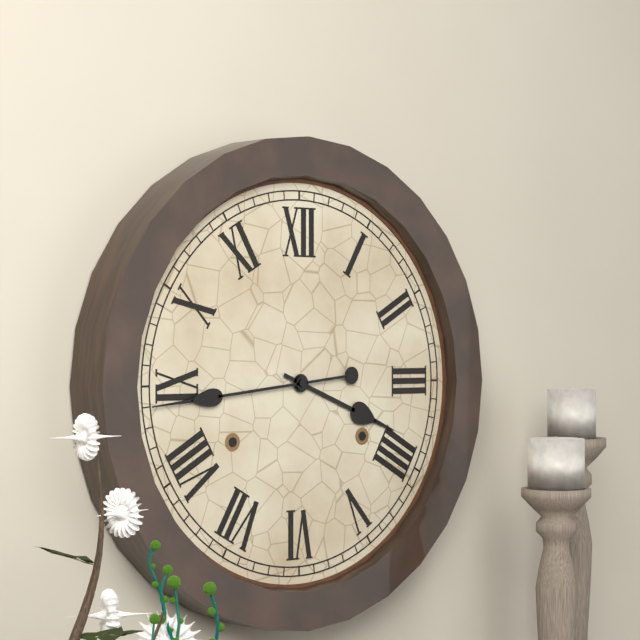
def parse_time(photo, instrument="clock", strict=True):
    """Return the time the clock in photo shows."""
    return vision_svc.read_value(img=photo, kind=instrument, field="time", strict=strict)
3:44
